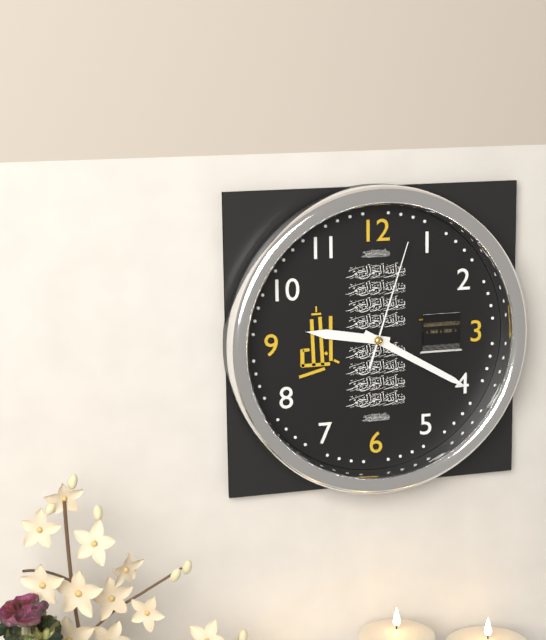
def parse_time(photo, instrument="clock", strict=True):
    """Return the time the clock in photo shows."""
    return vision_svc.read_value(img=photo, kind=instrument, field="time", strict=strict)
9:20:03
